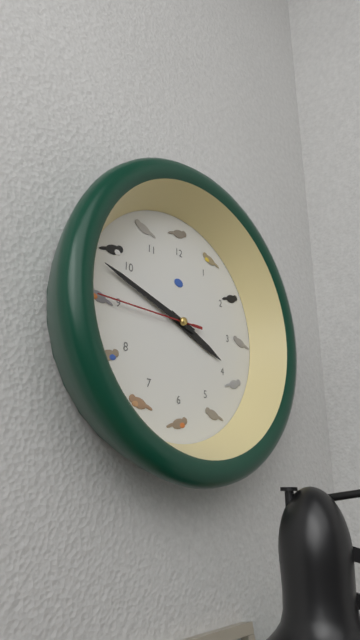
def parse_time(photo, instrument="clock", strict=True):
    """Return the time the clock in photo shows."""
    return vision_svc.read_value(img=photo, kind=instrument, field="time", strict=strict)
3:48:45
